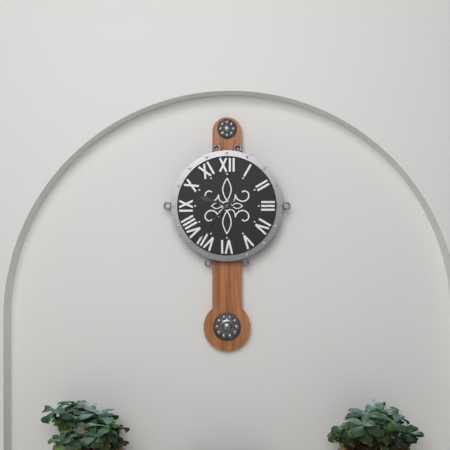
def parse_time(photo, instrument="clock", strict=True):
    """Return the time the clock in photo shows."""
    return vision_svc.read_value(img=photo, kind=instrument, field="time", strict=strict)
9:37
